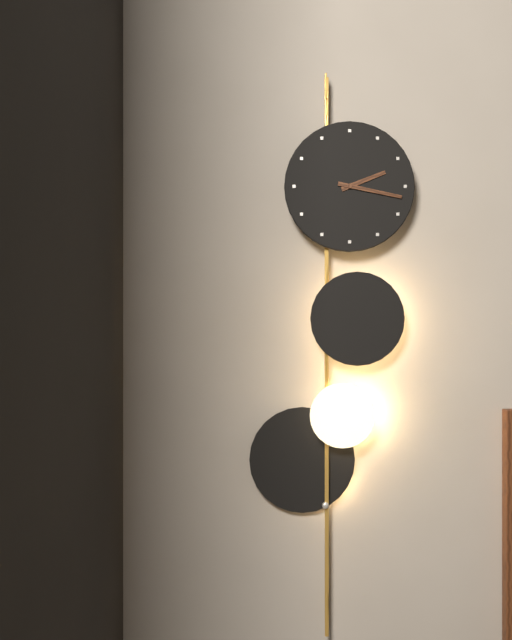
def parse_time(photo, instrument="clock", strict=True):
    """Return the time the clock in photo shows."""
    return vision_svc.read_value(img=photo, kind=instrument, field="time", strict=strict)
2:17
